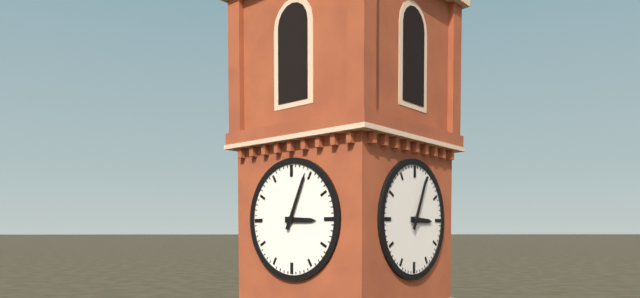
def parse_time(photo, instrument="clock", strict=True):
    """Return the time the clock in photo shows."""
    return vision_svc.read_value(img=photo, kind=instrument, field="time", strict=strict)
3:04
